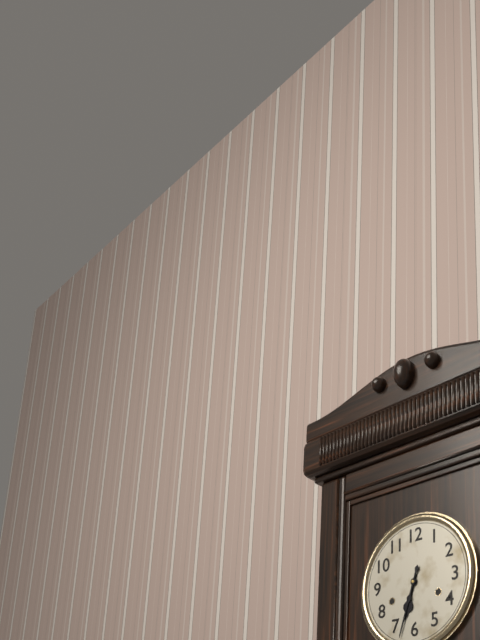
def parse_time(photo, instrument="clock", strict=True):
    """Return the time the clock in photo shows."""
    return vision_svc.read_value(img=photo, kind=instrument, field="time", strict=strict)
6:33
